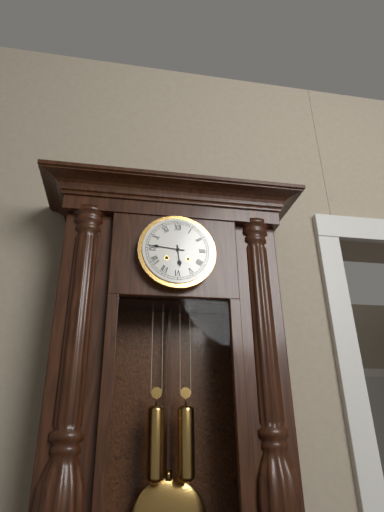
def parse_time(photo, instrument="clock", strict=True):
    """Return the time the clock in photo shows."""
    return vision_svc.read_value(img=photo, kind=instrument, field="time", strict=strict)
5:46
